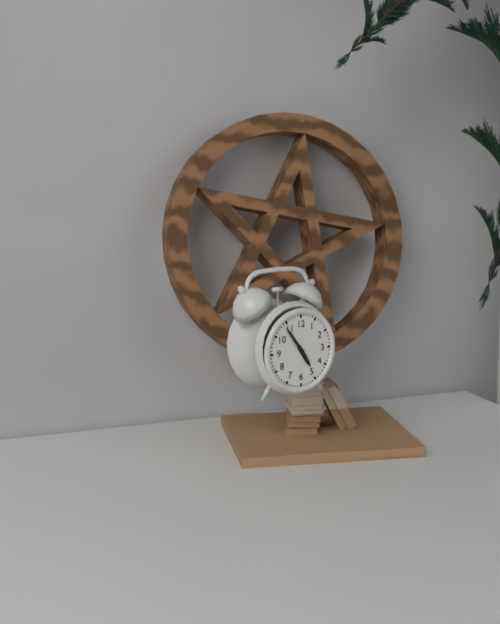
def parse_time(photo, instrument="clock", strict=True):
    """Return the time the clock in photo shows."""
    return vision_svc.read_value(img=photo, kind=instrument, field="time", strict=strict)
4:54
